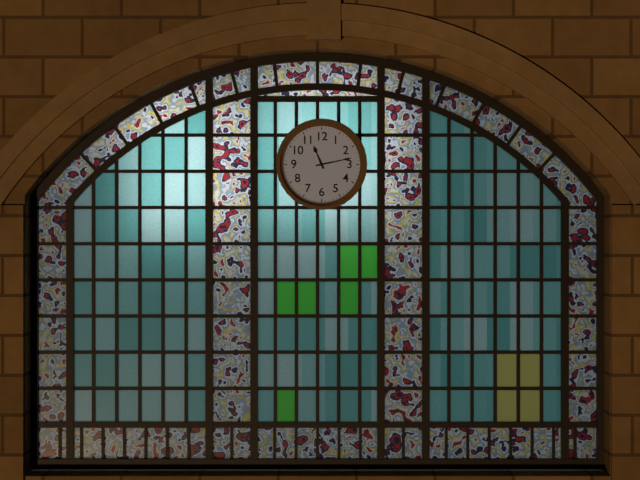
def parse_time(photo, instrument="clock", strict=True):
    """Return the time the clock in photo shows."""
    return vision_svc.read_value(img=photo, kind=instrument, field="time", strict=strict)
11:13
